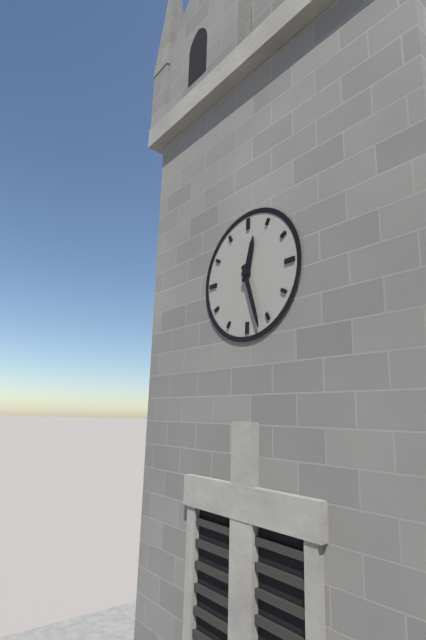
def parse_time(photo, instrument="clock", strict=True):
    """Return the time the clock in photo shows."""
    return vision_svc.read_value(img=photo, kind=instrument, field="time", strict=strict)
12:27
